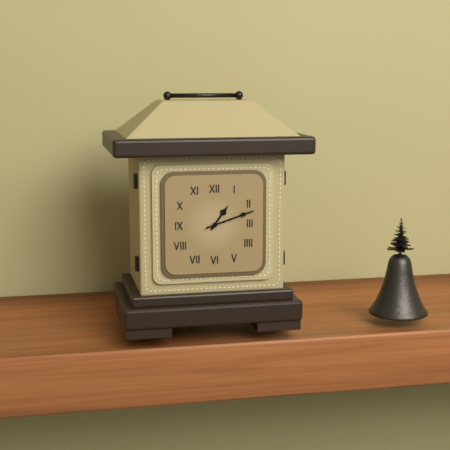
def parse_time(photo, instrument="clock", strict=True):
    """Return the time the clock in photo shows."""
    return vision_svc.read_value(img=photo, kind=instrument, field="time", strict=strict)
1:12
